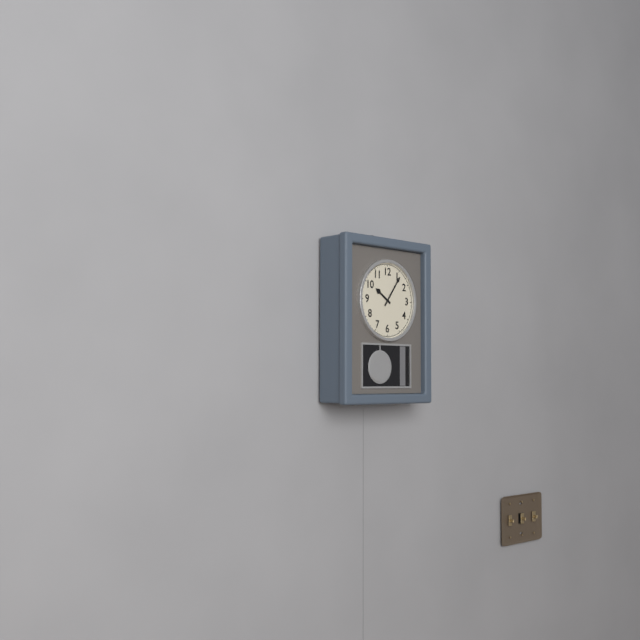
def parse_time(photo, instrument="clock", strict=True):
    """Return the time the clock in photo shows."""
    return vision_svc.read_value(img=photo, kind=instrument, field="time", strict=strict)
10:06
